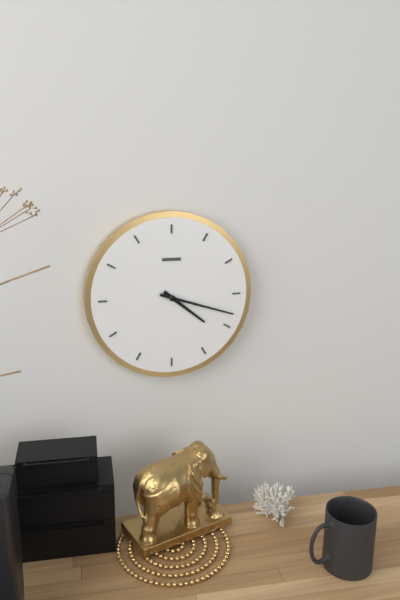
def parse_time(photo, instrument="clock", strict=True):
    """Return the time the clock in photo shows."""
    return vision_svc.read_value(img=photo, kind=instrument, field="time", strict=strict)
4:18
